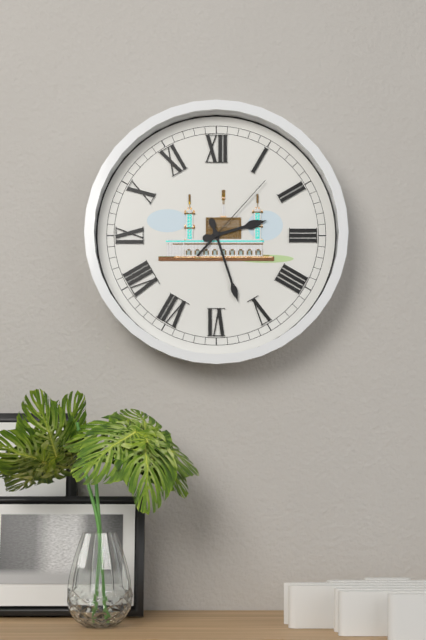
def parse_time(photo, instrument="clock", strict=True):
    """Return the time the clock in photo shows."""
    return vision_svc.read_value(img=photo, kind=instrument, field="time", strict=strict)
2:27:07
